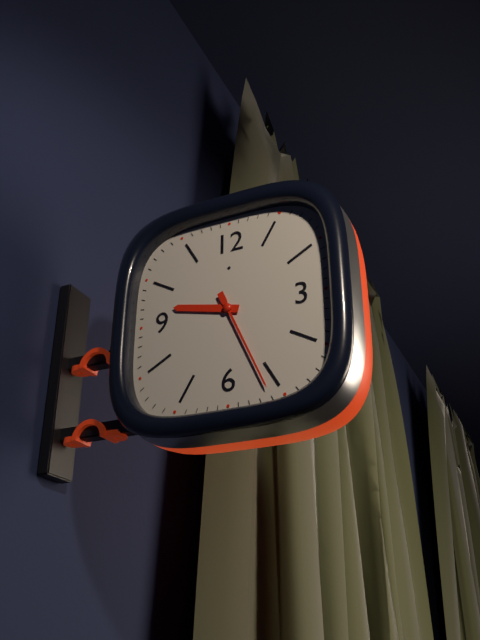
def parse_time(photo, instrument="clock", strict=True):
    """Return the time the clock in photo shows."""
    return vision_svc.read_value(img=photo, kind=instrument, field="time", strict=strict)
9:26
